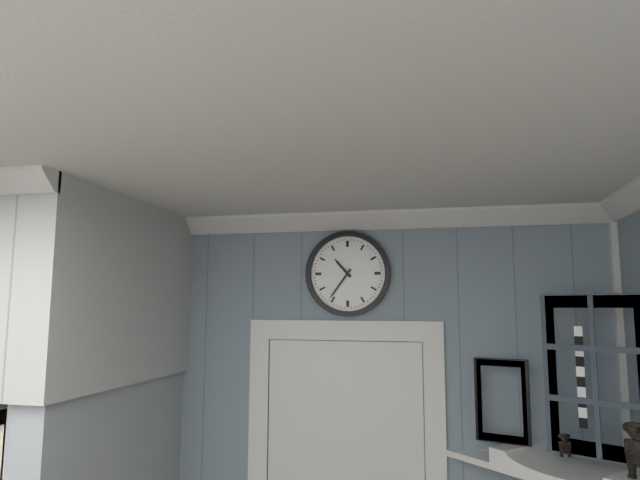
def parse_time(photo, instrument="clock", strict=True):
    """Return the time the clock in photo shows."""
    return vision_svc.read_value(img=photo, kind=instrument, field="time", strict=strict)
10:36
